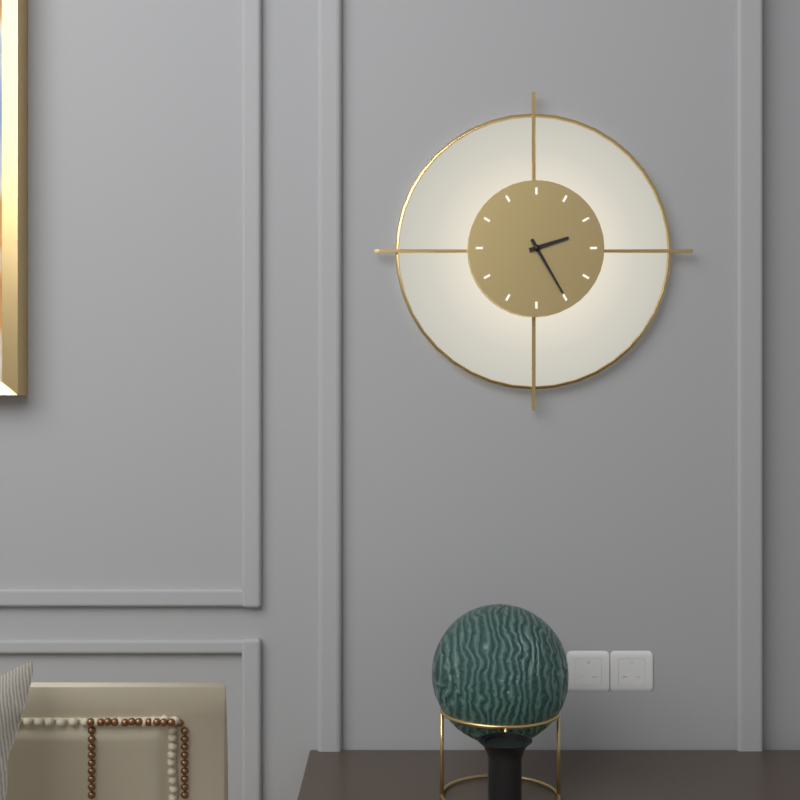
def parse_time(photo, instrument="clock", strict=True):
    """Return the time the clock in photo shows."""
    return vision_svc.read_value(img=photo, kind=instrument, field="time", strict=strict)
2:25
